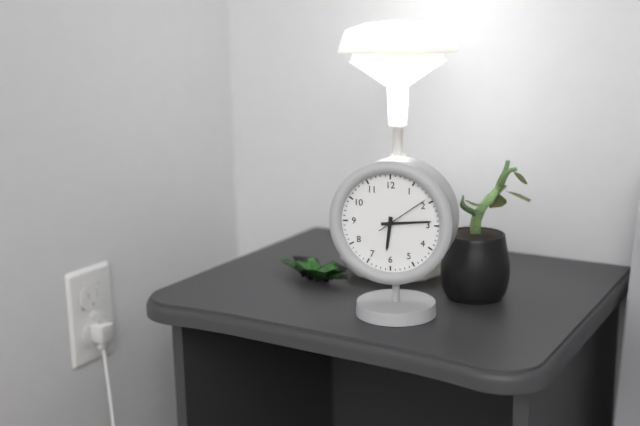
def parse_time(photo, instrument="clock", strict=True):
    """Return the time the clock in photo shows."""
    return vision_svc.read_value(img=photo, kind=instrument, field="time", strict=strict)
6:14:09
